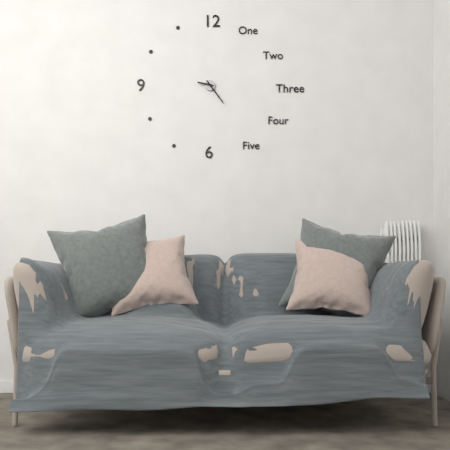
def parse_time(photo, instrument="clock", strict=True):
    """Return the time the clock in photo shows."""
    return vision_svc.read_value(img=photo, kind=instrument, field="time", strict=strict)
9:24
